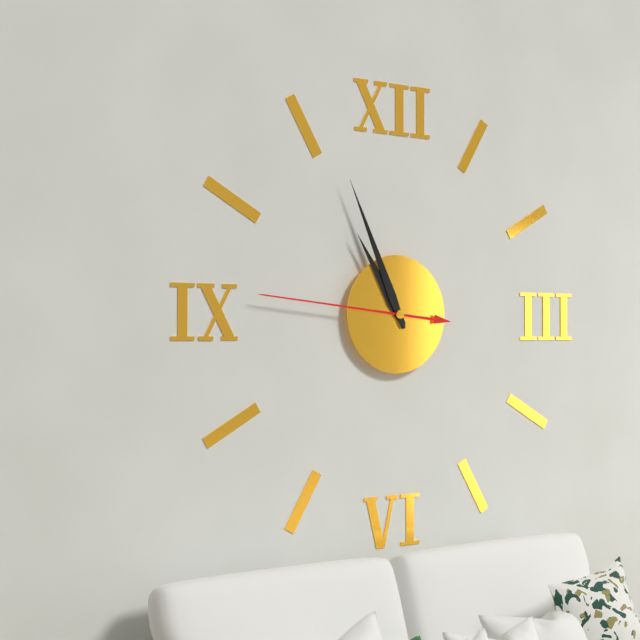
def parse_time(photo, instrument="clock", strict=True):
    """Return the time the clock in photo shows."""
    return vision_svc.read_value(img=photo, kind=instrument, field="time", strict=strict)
10:56:46
